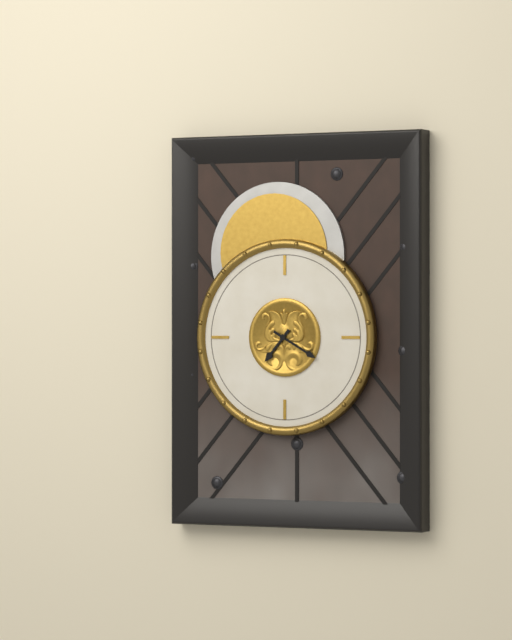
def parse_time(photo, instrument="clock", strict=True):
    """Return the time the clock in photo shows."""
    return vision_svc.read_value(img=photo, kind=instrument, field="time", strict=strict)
7:20
